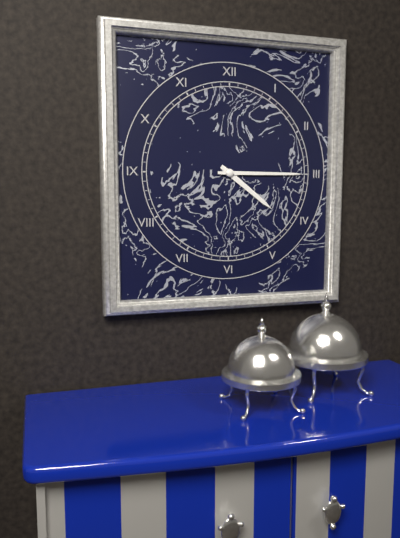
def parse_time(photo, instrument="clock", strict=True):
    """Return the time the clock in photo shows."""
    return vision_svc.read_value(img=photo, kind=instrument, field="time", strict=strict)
4:15
